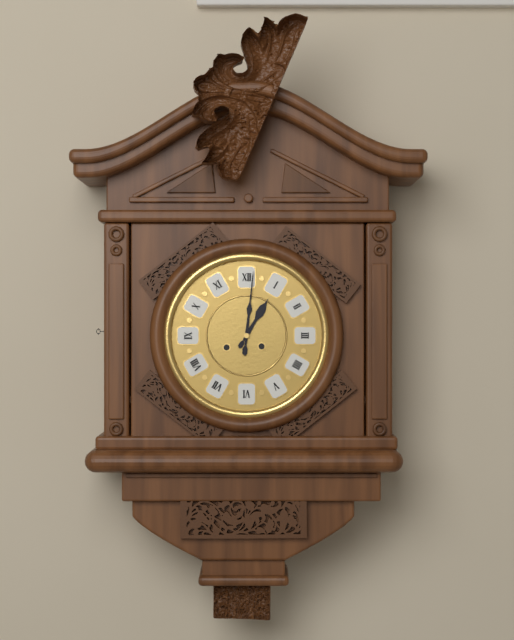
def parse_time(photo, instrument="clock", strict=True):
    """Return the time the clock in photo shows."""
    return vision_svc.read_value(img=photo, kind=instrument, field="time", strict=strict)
1:01
